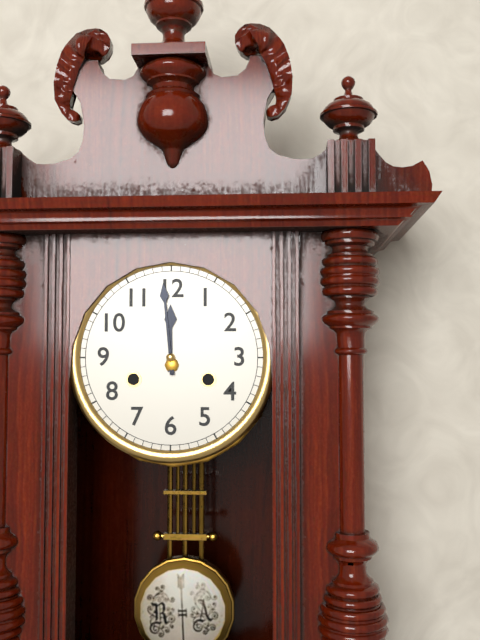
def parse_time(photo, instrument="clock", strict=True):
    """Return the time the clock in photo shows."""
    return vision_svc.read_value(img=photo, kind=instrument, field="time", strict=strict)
11:59
